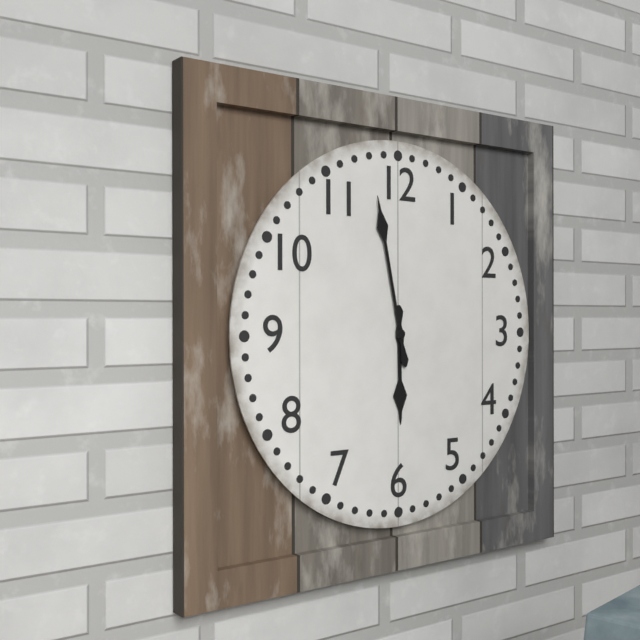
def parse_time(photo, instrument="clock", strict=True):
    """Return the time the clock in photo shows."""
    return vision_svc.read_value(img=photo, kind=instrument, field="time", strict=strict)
5:58
